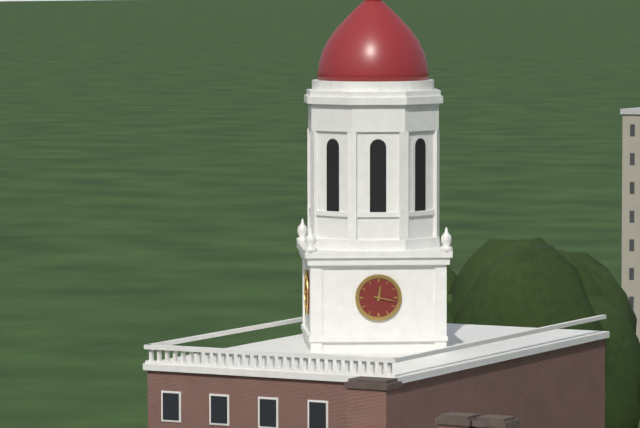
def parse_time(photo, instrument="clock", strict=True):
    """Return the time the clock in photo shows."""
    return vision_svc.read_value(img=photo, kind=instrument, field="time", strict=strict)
12:17
